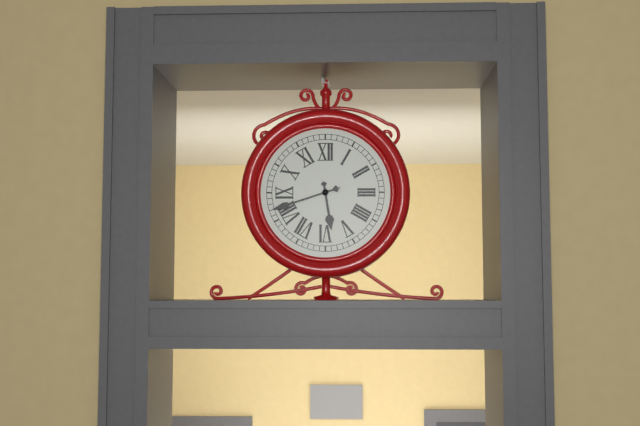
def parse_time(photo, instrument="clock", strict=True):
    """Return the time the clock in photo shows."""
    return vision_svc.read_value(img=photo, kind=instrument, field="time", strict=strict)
5:42
